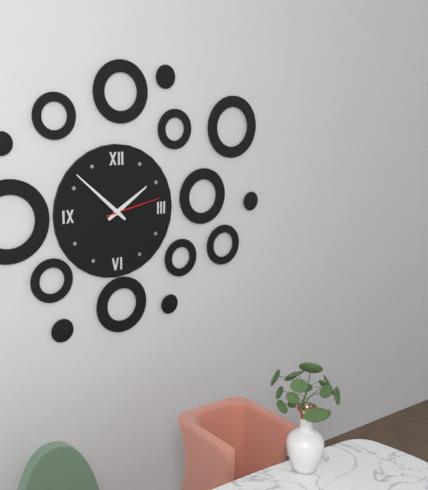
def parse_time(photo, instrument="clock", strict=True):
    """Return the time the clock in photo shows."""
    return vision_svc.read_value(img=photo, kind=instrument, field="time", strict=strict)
1:52:13
